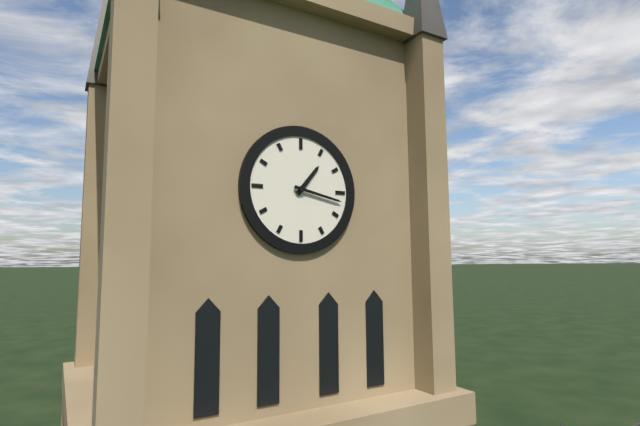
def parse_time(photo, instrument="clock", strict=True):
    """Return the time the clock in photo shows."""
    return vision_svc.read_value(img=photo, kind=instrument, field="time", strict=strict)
1:17
